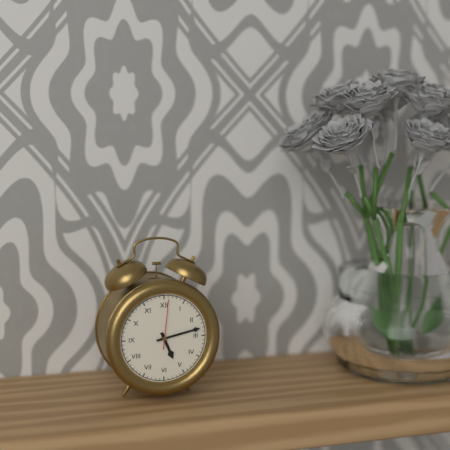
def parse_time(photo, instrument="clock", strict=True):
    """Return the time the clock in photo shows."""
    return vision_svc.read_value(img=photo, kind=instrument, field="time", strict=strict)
5:13
